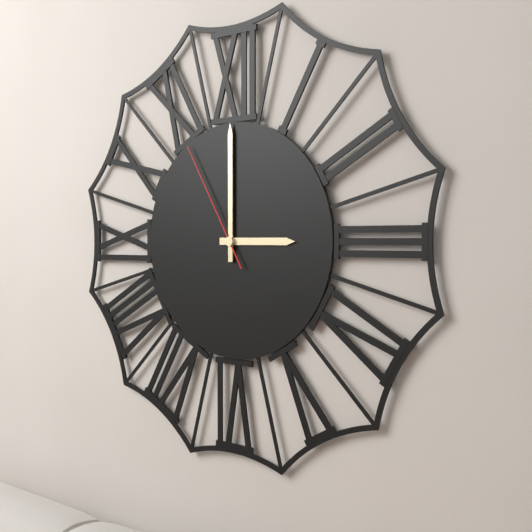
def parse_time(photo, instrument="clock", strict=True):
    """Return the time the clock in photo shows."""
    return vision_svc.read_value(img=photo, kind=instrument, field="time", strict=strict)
3:00:55
